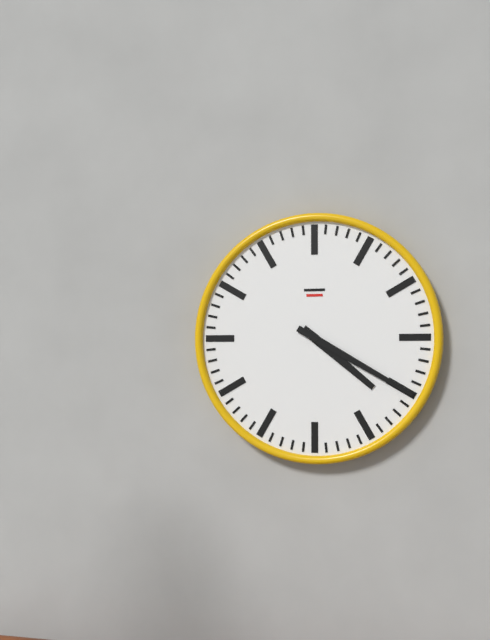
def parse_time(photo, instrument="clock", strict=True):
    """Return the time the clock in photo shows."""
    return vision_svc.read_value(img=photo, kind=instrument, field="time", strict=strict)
4:20
